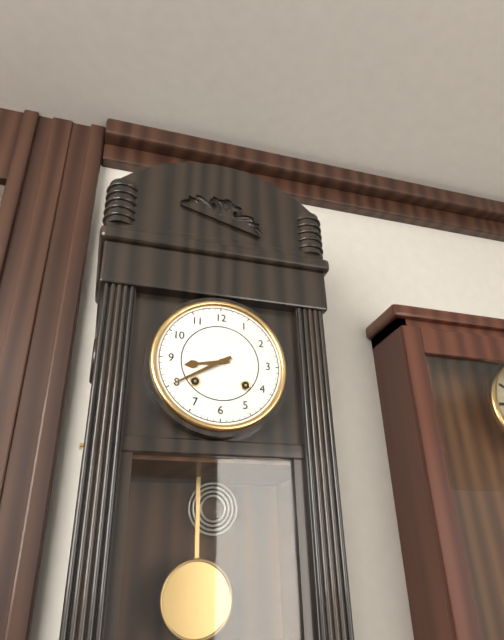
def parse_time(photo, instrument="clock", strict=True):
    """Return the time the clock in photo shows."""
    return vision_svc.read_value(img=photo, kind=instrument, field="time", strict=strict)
8:40
